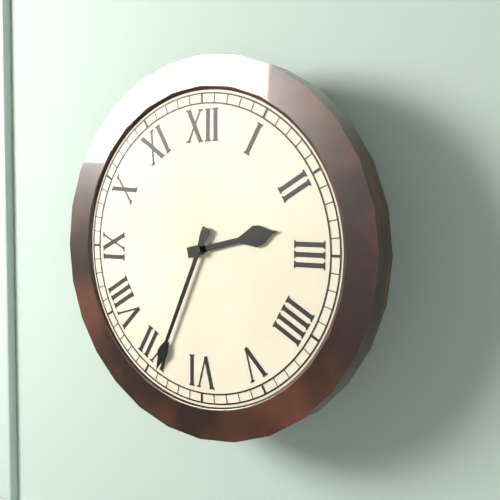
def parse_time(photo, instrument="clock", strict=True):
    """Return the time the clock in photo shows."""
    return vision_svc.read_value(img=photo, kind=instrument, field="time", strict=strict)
2:34
